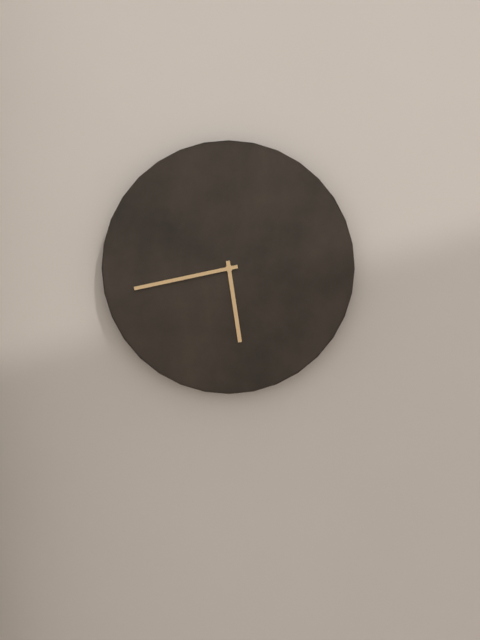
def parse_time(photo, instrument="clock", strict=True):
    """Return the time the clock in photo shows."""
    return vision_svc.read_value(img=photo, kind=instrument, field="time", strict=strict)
5:43
